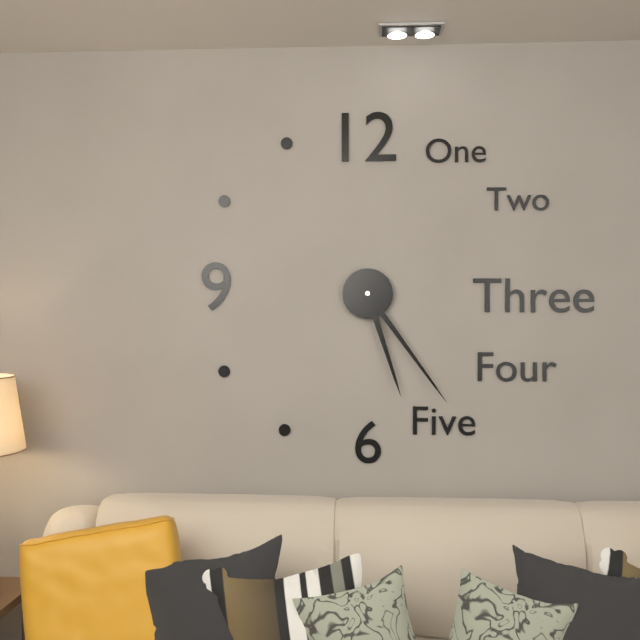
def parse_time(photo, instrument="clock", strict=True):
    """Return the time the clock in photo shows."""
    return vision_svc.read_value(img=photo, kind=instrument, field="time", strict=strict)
5:24
